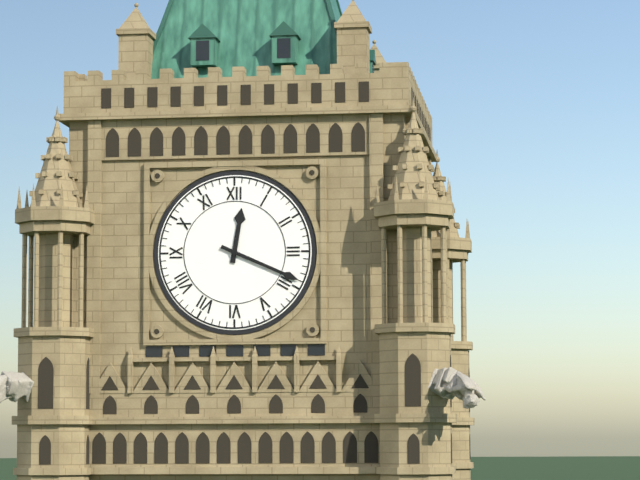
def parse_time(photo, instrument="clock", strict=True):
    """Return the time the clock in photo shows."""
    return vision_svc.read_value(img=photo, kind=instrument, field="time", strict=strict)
12:19
